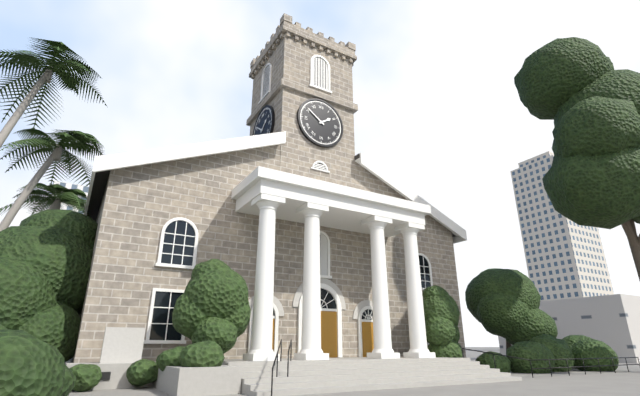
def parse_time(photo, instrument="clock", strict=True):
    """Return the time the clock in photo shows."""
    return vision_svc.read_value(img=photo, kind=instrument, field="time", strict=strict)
1:51
